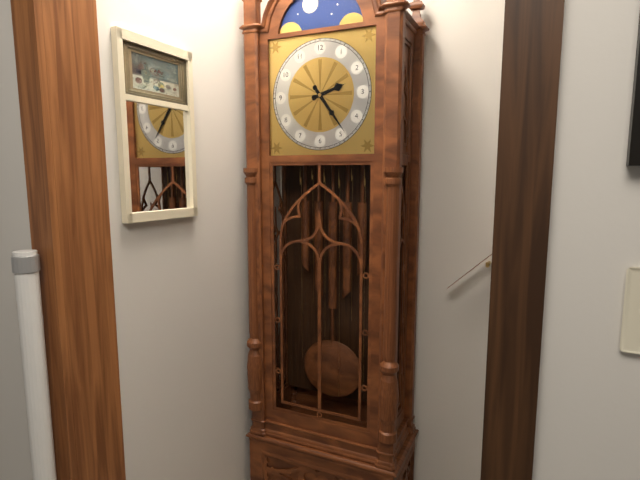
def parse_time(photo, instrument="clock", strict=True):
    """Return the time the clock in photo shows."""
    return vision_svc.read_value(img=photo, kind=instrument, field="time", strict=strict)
2:24
